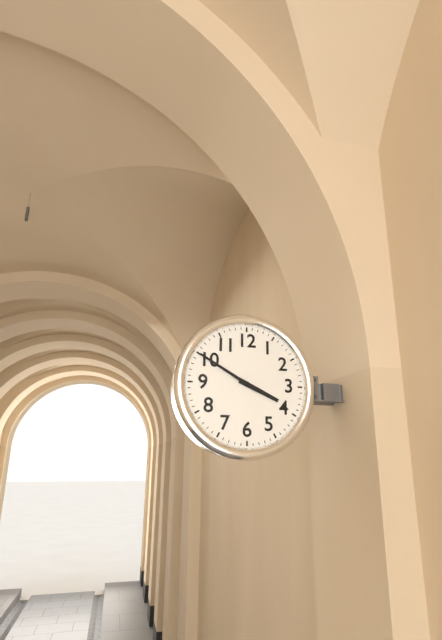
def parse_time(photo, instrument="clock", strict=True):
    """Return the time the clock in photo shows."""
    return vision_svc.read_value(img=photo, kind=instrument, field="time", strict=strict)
3:50
